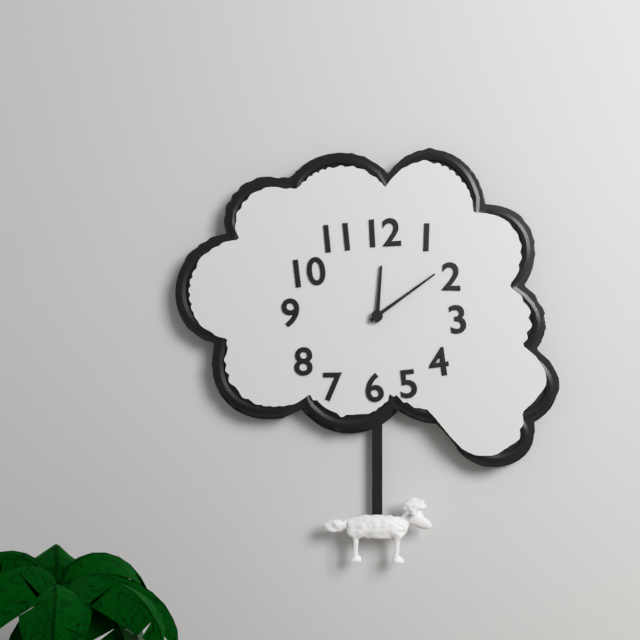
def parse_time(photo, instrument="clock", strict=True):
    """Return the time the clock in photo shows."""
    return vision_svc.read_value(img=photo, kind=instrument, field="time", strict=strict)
12:09
